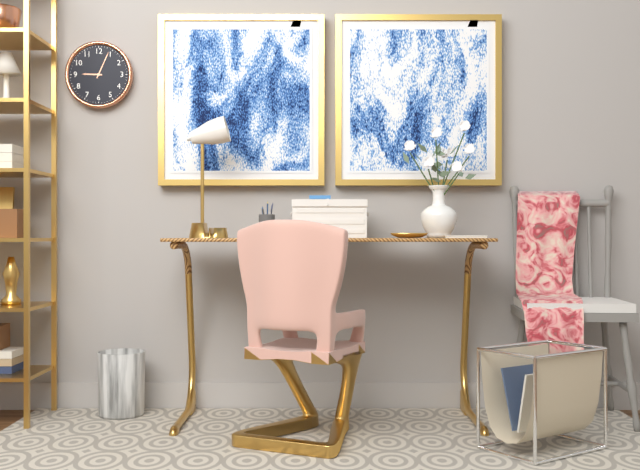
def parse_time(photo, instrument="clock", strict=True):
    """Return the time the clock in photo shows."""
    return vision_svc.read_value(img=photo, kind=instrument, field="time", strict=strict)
9:04
